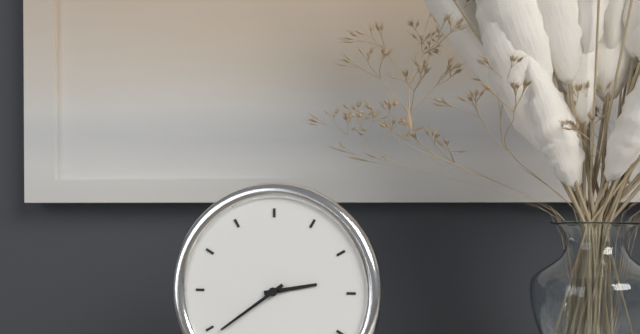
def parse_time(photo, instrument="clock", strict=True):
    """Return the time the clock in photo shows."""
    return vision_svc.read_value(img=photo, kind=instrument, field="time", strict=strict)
2:39
